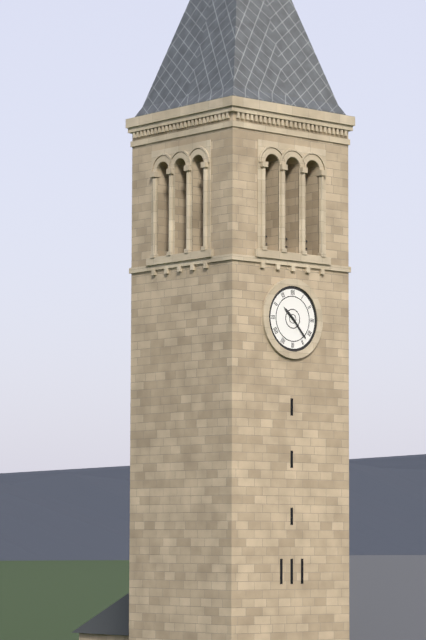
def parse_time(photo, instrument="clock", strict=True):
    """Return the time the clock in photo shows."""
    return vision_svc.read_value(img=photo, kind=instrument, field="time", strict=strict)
10:23
